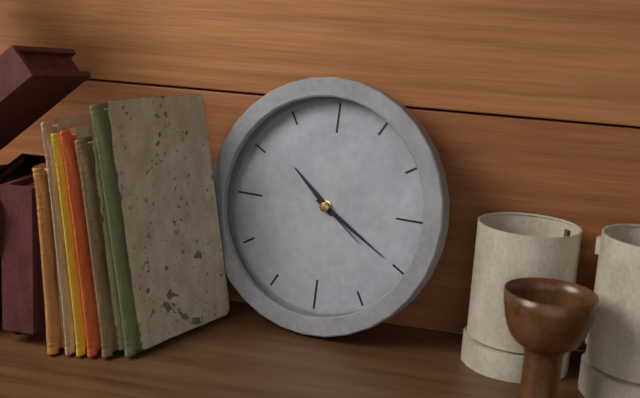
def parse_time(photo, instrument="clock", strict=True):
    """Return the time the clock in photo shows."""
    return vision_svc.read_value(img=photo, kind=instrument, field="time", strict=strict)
10:20:21
